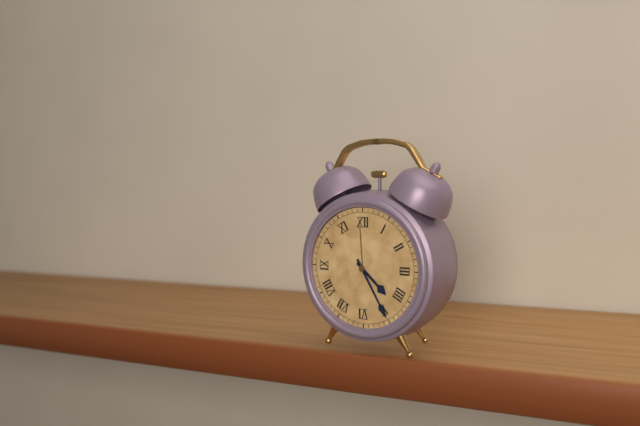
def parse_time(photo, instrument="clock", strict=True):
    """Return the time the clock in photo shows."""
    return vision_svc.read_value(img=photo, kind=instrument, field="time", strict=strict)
4:25
